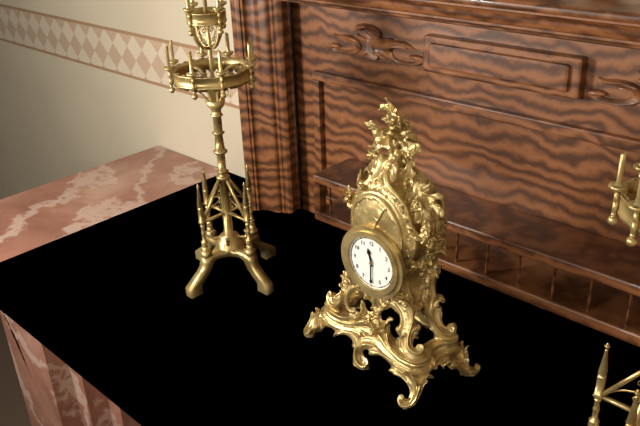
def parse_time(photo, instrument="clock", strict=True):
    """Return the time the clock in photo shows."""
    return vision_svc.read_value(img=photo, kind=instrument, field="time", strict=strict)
11:30
